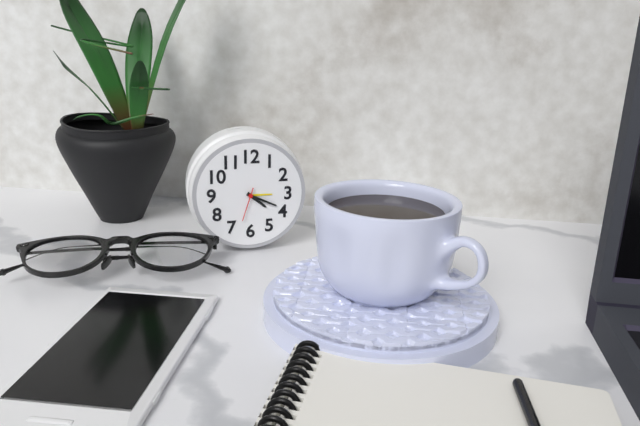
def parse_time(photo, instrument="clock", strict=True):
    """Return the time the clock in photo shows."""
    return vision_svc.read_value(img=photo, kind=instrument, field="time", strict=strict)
4:19
